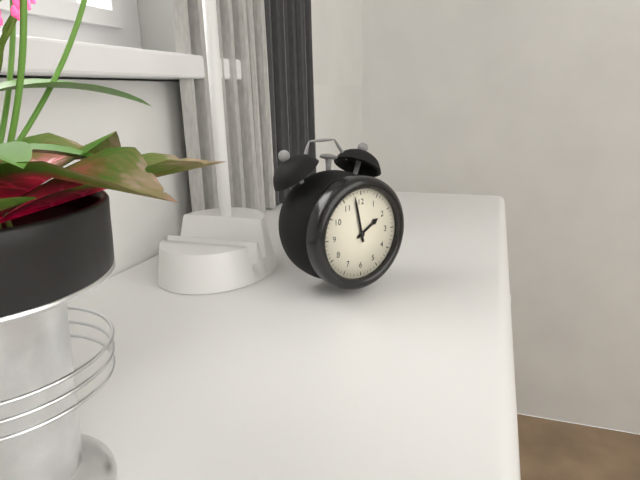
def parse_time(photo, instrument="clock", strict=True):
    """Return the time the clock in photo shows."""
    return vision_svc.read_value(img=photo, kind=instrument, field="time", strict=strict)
1:58
